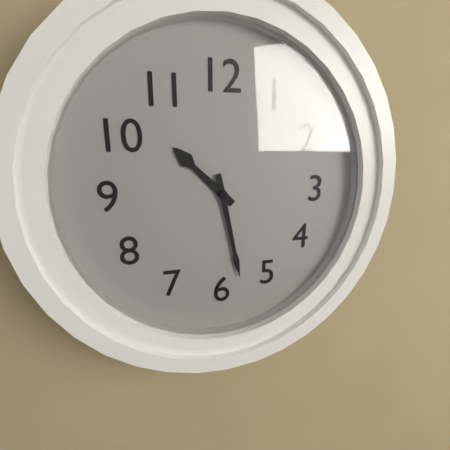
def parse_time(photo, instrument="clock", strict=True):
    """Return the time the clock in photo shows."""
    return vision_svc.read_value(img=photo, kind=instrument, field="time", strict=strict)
10:28
